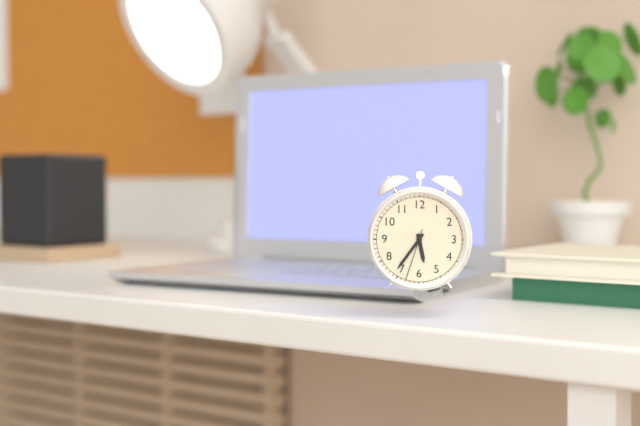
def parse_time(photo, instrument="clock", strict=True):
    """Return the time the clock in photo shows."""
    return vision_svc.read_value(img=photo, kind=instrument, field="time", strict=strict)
5:36:33
